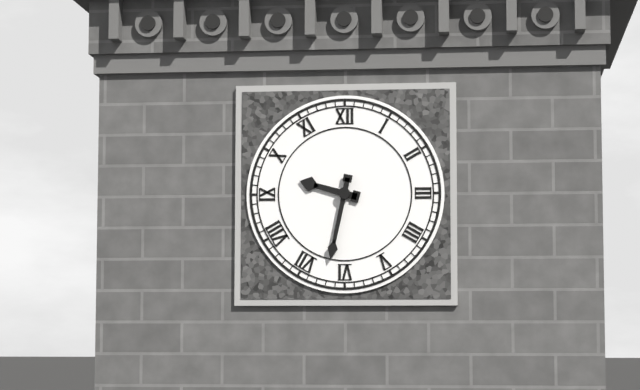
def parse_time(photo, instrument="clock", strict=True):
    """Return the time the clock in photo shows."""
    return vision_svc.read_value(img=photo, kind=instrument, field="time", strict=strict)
9:32
